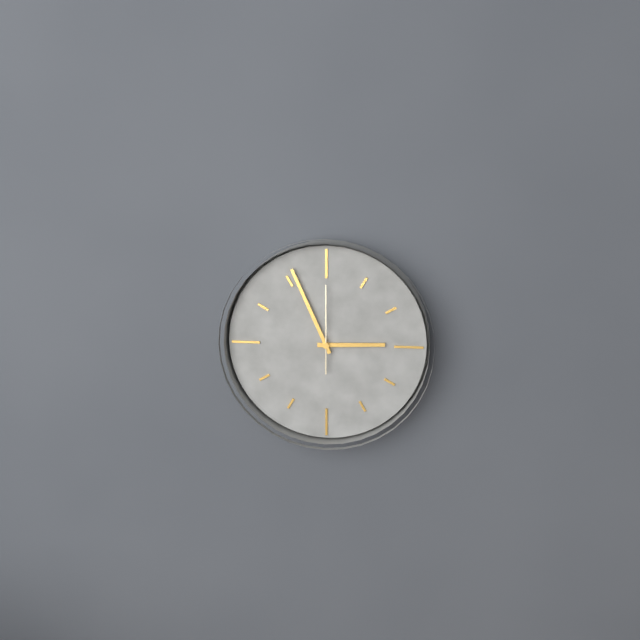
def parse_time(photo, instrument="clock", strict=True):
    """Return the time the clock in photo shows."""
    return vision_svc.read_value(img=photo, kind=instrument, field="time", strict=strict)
2:56:00
